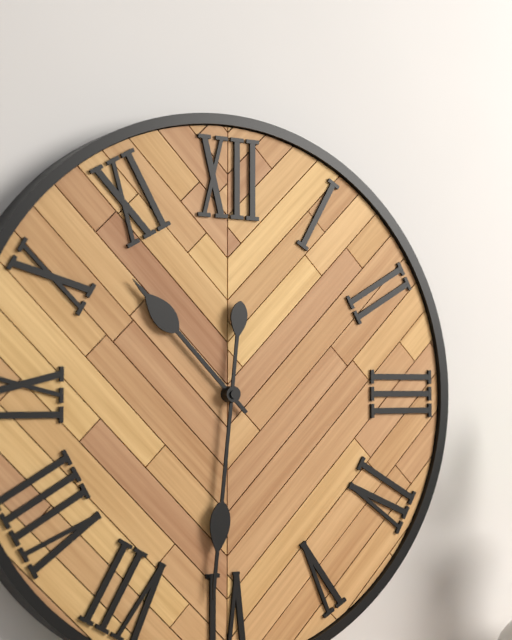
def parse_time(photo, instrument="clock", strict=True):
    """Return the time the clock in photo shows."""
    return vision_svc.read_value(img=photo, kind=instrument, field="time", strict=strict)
10:31
